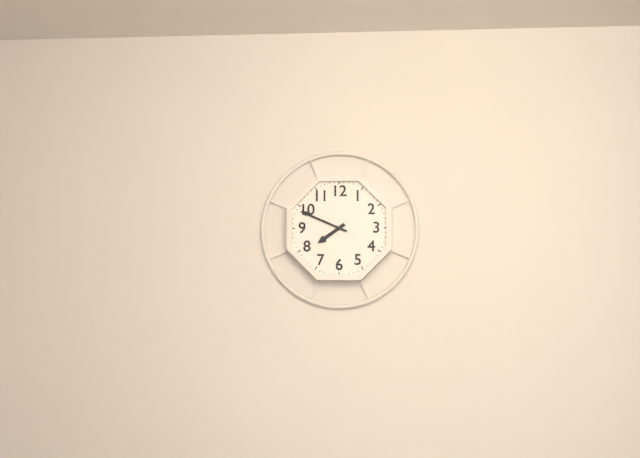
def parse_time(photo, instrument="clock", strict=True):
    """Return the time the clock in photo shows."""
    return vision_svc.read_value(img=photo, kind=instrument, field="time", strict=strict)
7:49
